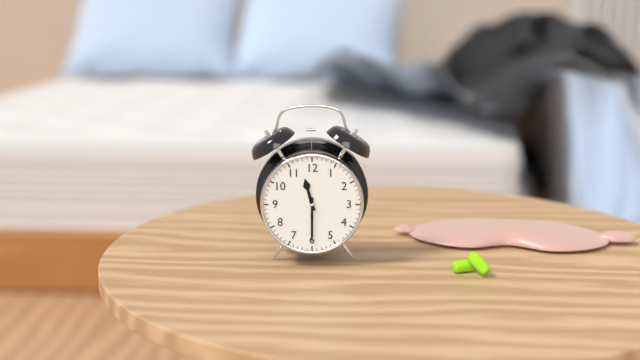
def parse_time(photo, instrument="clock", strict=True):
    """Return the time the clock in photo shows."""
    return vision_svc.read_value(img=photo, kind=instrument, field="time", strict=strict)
11:30
